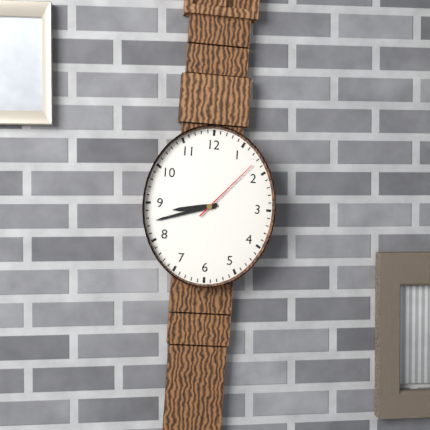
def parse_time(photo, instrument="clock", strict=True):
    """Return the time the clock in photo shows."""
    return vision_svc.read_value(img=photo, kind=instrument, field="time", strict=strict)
8:42:07
